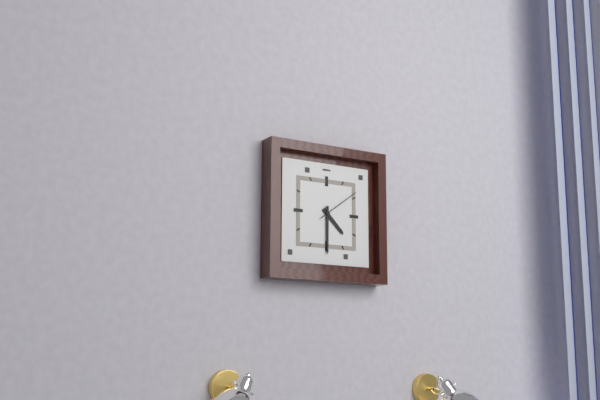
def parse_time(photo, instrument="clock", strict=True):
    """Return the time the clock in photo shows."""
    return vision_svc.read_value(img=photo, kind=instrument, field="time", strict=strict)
4:30
